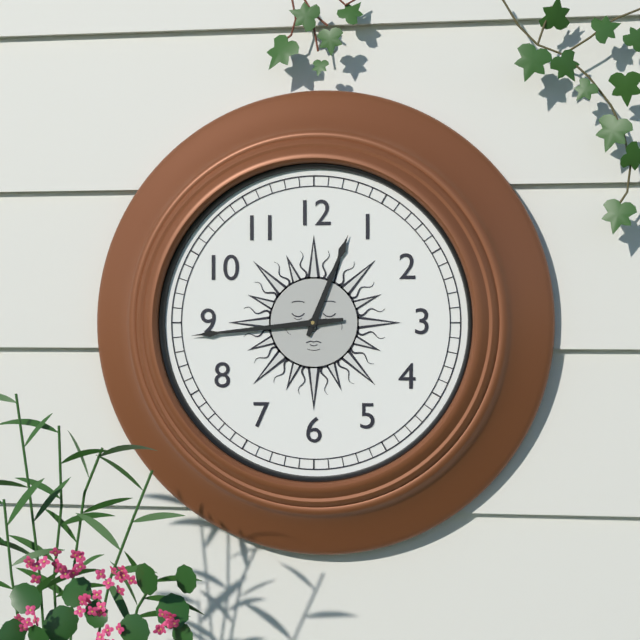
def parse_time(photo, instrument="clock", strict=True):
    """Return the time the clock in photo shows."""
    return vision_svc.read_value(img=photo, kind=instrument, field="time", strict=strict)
12:44
